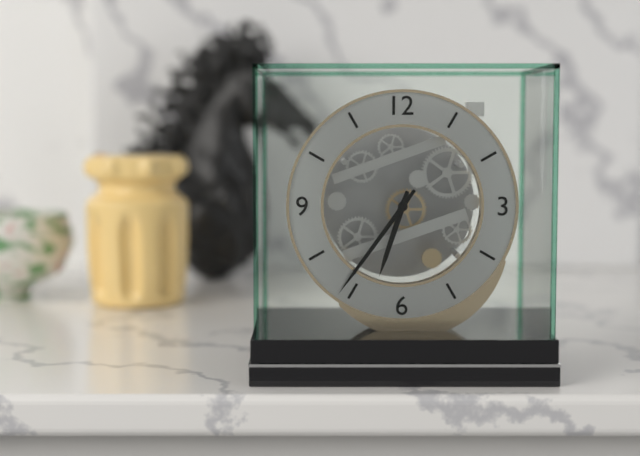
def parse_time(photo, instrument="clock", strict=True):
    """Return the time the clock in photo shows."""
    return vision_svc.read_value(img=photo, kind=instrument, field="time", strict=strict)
6:36
